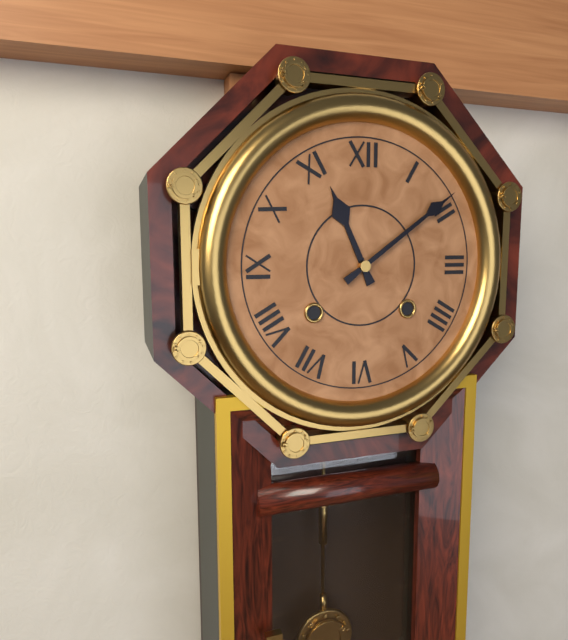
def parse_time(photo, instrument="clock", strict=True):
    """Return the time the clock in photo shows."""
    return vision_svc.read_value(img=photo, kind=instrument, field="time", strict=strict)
11:09
